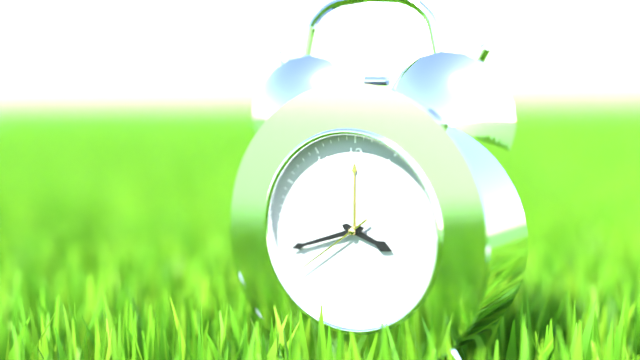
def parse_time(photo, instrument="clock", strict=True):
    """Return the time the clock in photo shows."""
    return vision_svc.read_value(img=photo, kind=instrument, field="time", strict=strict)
3:42:39
